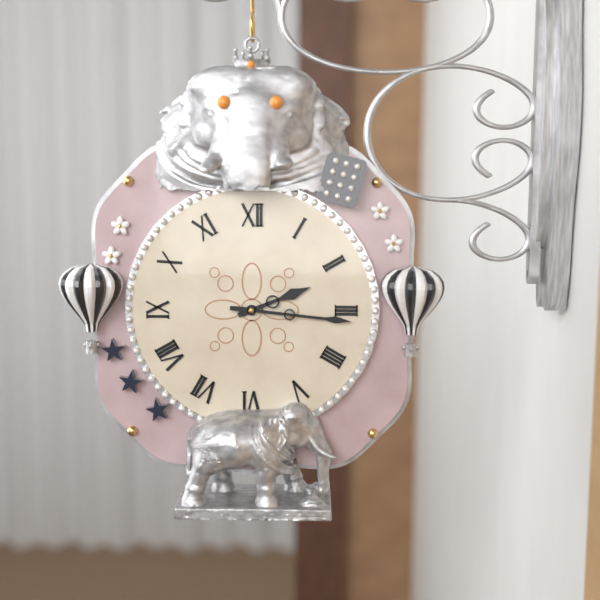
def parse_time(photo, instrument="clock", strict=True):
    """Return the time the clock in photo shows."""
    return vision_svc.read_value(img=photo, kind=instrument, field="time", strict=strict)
2:16
